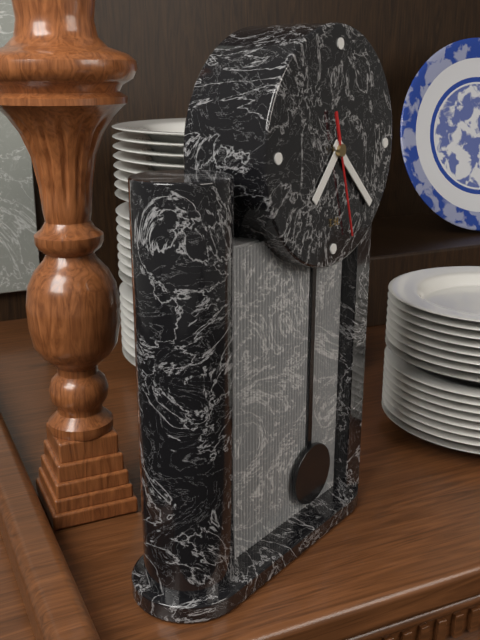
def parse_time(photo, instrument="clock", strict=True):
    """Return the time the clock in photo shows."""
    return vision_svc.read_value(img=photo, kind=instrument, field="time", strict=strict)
7:22:27
